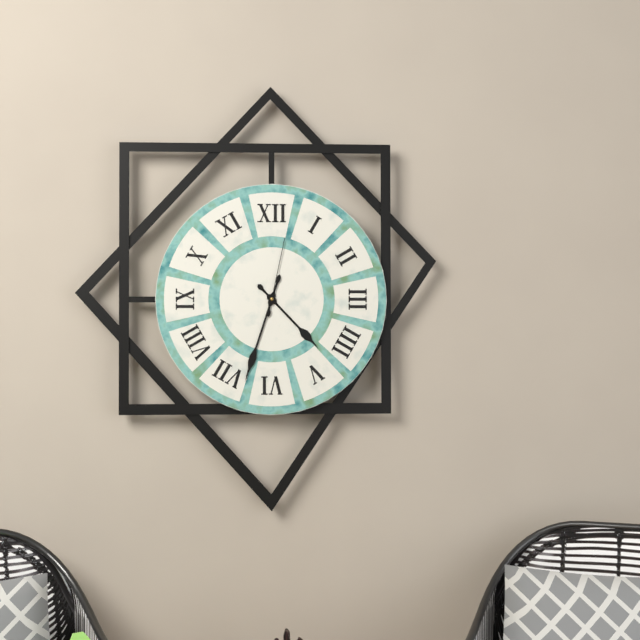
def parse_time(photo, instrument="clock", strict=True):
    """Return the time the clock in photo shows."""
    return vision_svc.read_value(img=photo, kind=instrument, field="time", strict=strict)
4:33:02
